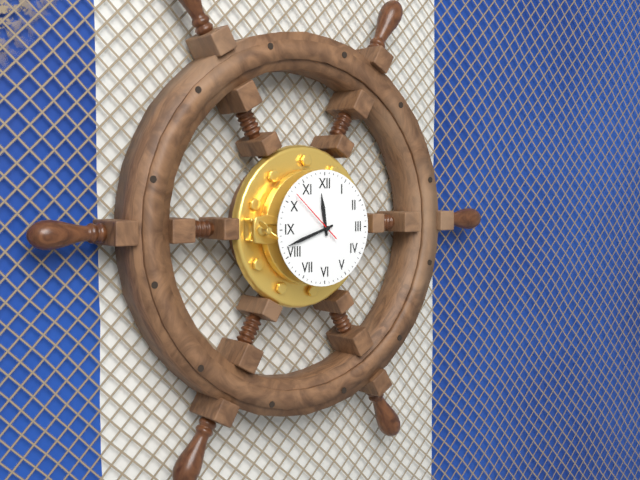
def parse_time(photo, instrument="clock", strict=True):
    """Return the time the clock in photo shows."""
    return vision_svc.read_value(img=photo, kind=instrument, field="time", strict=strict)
11:42:52
